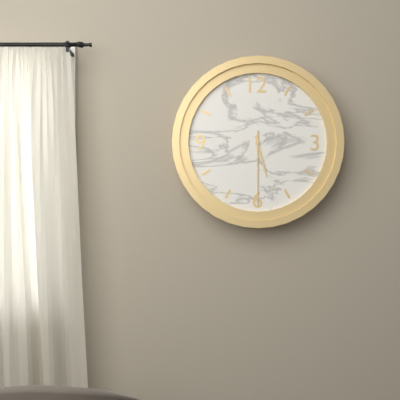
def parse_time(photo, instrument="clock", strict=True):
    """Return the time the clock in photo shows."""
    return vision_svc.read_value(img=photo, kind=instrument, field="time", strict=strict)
5:30
